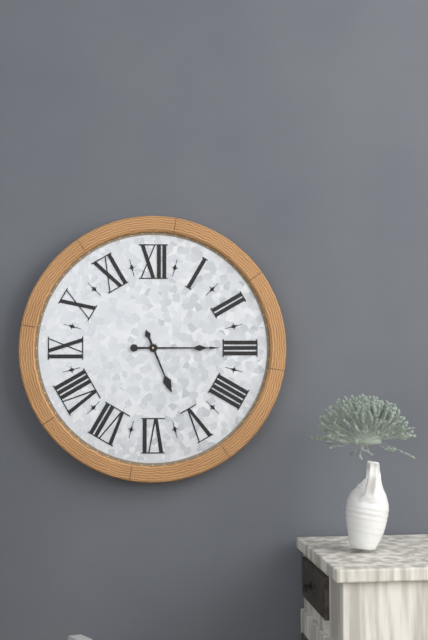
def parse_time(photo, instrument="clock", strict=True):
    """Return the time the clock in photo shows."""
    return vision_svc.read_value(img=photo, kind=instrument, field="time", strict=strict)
5:15
